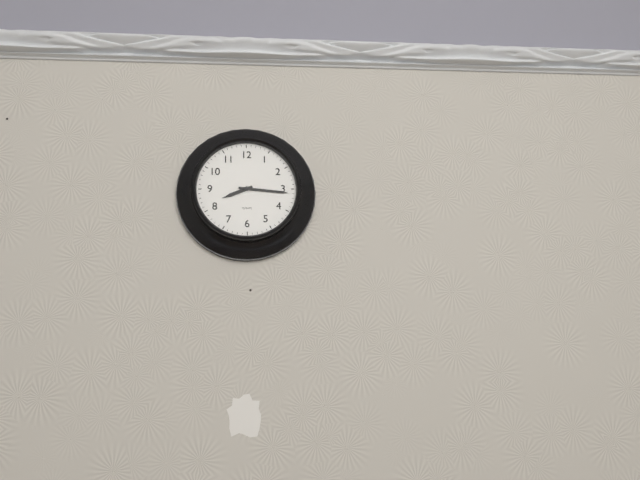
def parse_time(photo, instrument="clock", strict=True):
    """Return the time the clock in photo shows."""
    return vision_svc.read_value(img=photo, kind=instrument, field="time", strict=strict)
8:16
